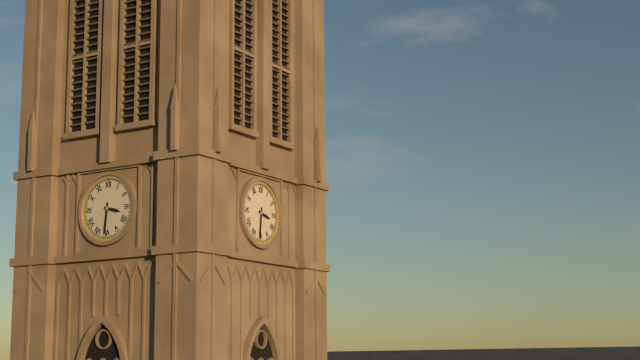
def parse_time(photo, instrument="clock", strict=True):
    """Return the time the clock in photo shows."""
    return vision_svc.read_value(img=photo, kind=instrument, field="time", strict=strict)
3:31
